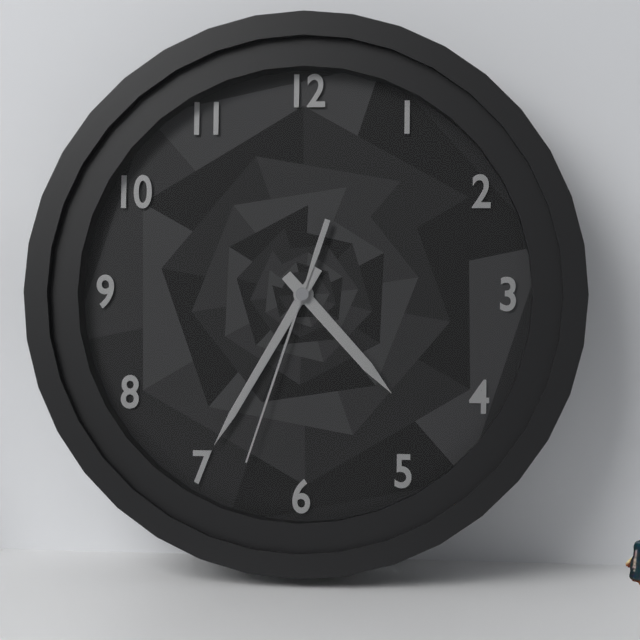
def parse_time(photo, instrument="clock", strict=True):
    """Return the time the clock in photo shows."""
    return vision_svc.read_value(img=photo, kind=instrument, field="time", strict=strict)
4:35:33
